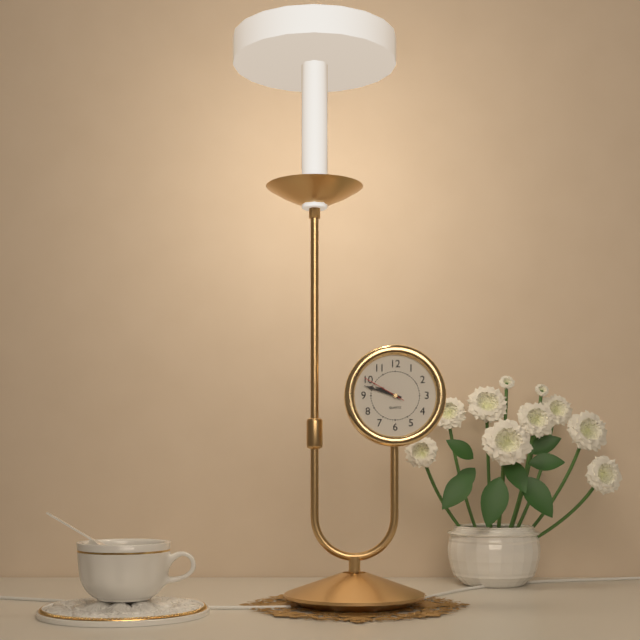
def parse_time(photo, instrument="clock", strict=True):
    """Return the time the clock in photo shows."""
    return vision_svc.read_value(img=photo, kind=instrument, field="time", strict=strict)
9:48
